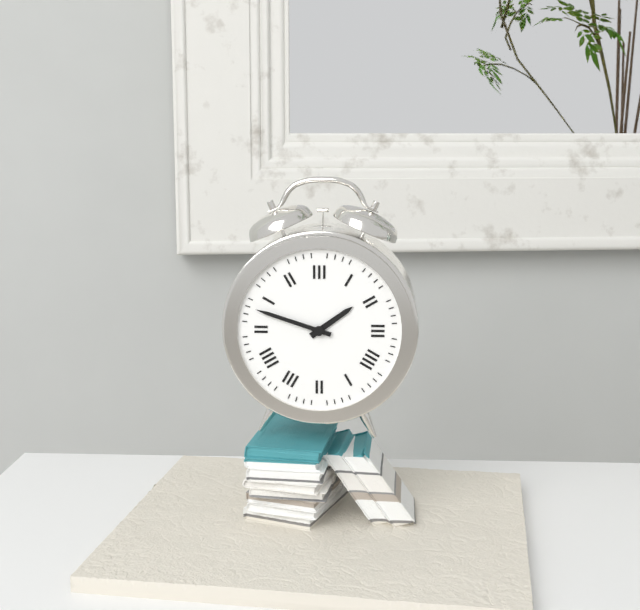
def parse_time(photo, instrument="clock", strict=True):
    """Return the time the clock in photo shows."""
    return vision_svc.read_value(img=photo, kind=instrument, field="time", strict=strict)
1:48
